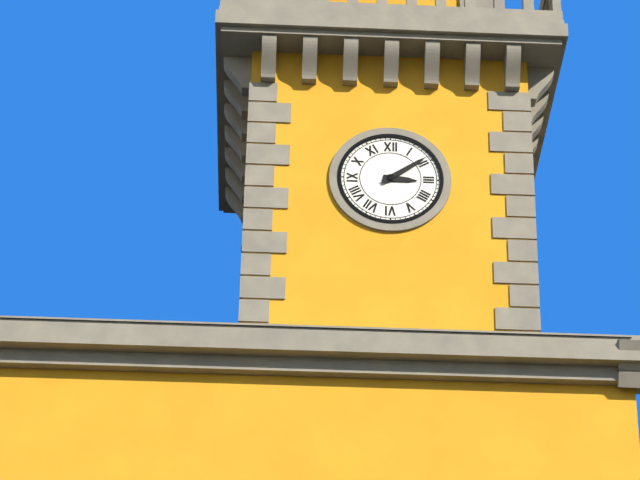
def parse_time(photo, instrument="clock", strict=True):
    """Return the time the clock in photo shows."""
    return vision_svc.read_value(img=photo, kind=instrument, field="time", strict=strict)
3:09
